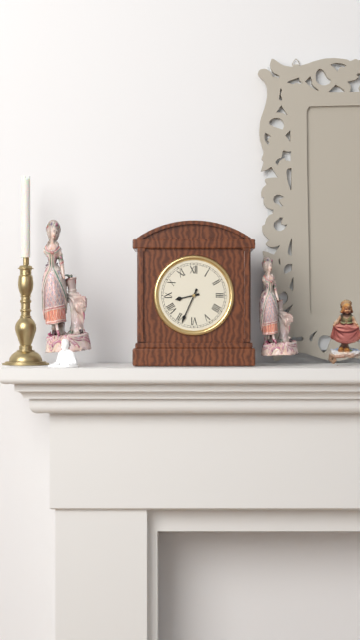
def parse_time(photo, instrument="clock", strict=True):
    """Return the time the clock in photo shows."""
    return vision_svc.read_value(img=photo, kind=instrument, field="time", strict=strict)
8:34
